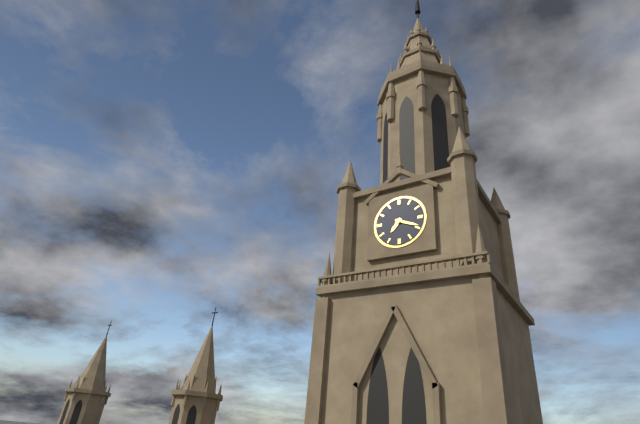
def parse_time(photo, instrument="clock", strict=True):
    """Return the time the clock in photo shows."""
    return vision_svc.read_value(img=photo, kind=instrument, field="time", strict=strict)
7:19
